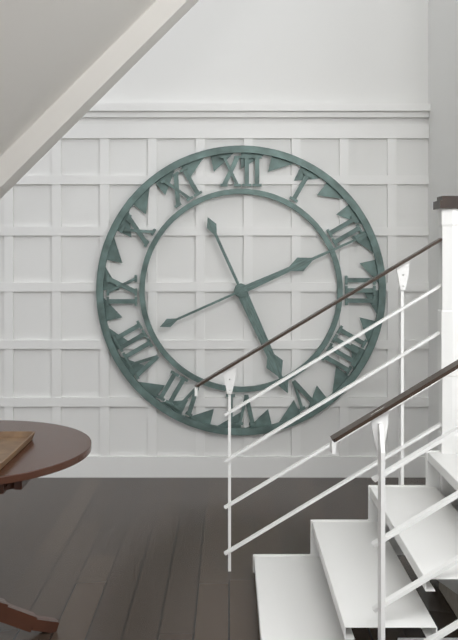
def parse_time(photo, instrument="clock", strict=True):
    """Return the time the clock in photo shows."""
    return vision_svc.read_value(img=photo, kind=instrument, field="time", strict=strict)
5:11
